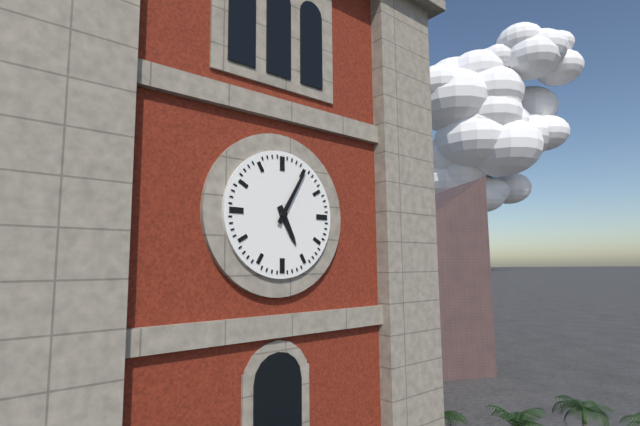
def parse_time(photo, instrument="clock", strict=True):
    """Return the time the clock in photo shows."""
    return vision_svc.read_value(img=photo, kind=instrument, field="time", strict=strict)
5:05
